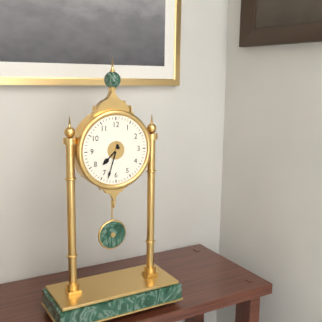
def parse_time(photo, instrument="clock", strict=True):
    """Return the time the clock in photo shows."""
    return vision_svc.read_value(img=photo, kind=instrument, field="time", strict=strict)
7:33
